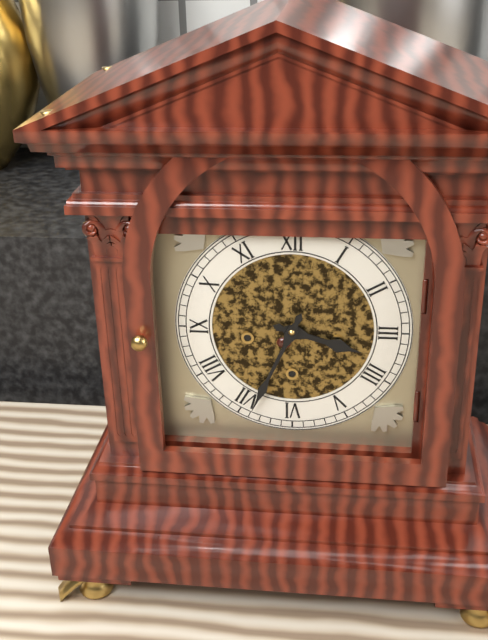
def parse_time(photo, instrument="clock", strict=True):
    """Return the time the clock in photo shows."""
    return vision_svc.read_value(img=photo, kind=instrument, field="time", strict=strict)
3:34
